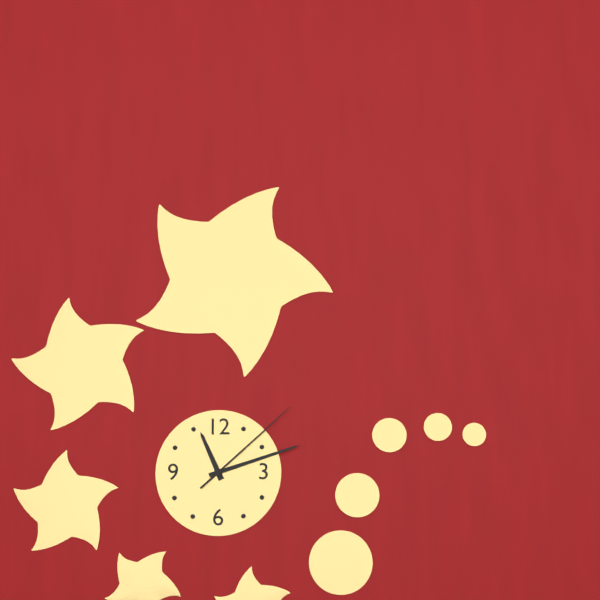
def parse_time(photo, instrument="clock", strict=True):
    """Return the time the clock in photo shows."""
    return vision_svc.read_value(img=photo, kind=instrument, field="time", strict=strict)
11:12:08
